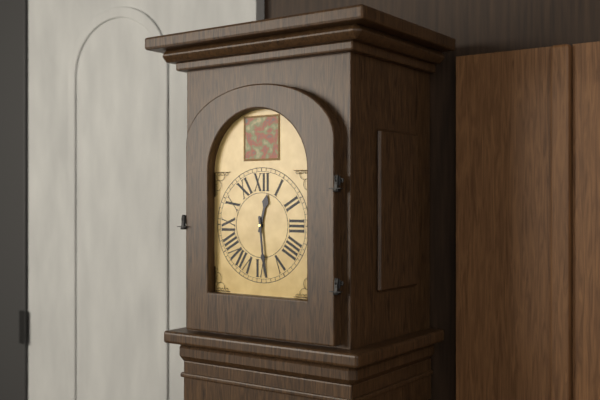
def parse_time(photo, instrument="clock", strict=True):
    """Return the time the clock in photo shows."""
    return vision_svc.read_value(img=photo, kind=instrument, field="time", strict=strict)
12:29
